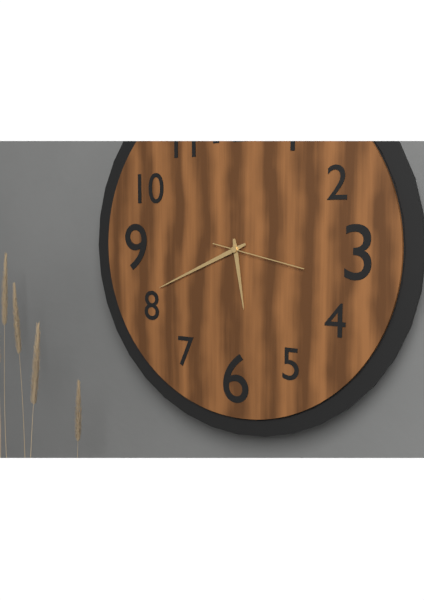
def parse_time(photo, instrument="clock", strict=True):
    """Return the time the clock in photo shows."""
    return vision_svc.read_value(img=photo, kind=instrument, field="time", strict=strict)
5:41:17
